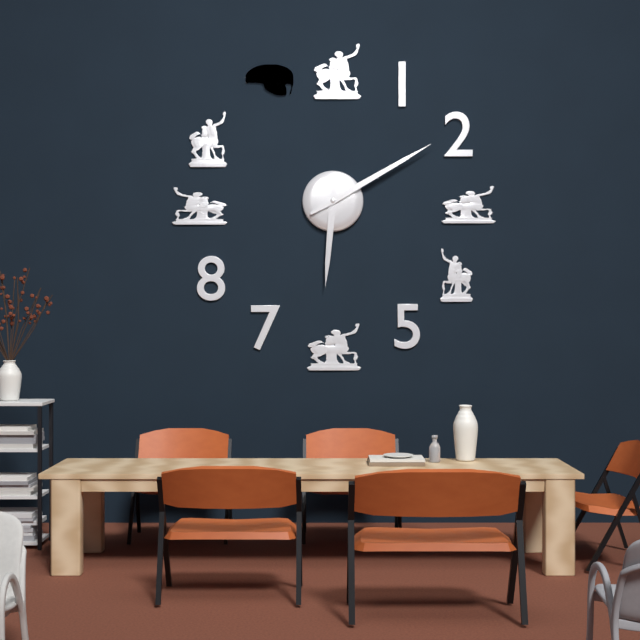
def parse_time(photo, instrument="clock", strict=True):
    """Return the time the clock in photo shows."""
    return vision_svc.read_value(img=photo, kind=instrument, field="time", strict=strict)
6:10
